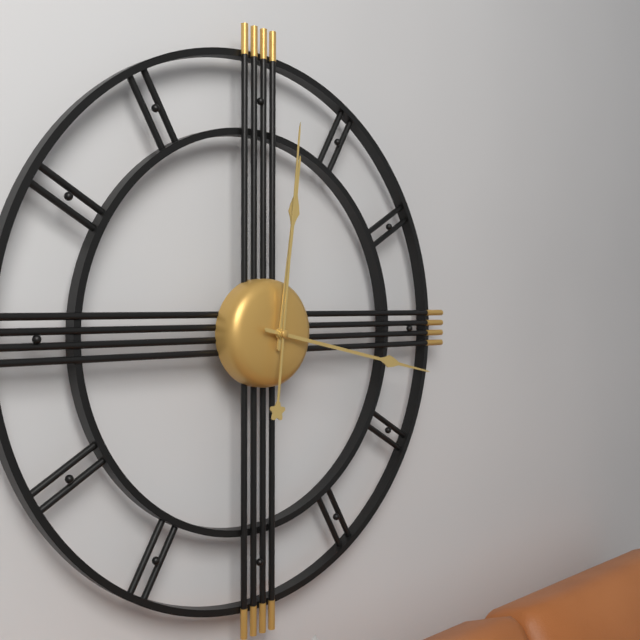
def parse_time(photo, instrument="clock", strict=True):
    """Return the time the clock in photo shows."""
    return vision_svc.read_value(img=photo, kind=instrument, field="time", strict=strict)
12:17:01
